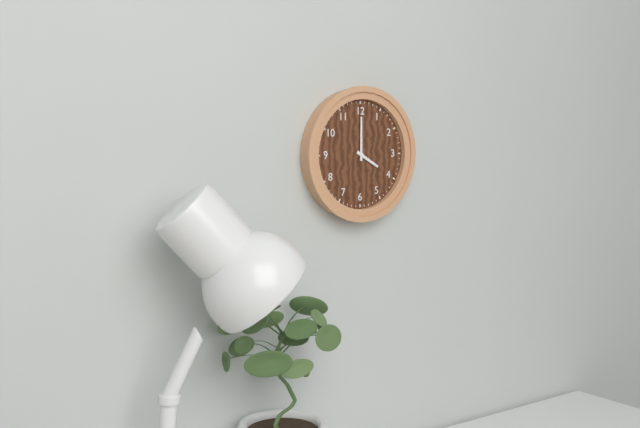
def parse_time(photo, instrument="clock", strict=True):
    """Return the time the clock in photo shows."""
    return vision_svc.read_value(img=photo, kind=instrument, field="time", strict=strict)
4:00
